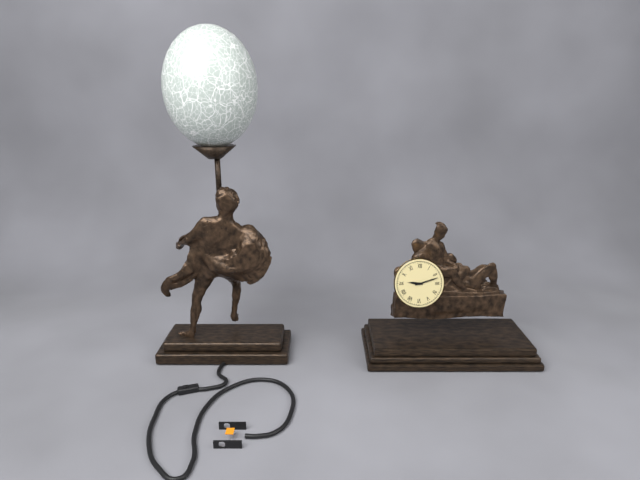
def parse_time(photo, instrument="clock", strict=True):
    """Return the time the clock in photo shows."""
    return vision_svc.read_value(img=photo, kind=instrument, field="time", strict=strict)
9:12
